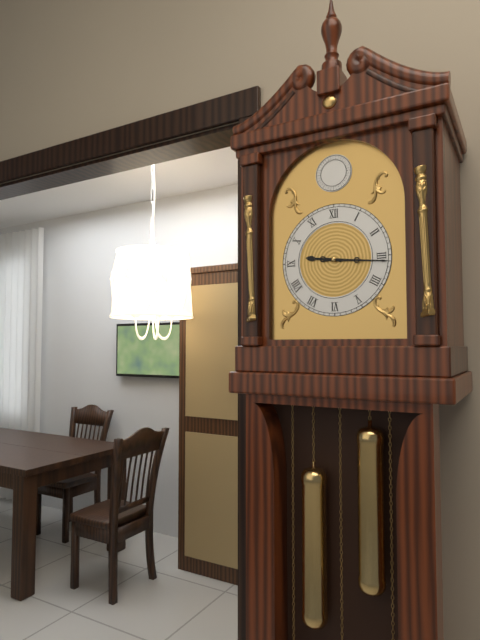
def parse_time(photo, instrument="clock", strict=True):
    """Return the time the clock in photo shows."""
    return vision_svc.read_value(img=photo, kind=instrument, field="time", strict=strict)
9:16
